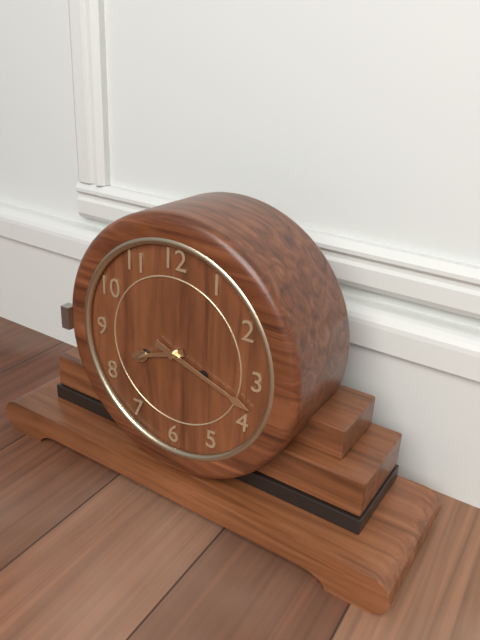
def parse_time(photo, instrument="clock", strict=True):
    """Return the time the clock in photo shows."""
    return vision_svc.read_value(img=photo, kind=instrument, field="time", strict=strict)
8:18
